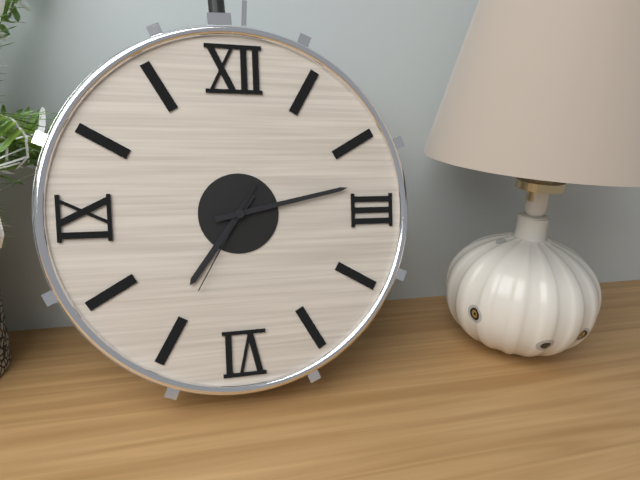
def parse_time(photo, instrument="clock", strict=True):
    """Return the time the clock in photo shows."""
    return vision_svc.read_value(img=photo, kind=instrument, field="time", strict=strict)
7:13:35
